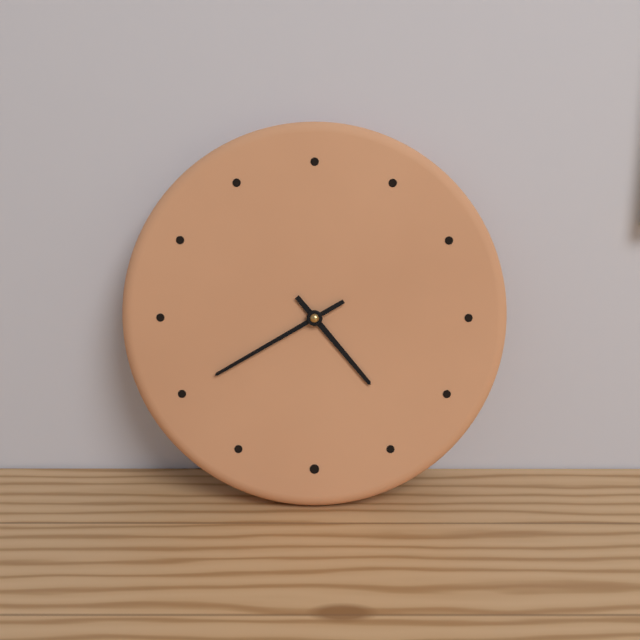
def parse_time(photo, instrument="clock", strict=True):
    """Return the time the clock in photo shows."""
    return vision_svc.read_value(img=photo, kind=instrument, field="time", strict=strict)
4:40
